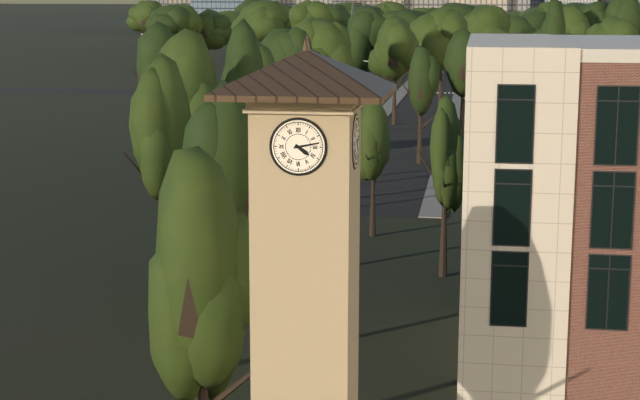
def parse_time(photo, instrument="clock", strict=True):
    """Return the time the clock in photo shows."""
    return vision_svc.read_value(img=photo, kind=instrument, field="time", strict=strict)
4:13
